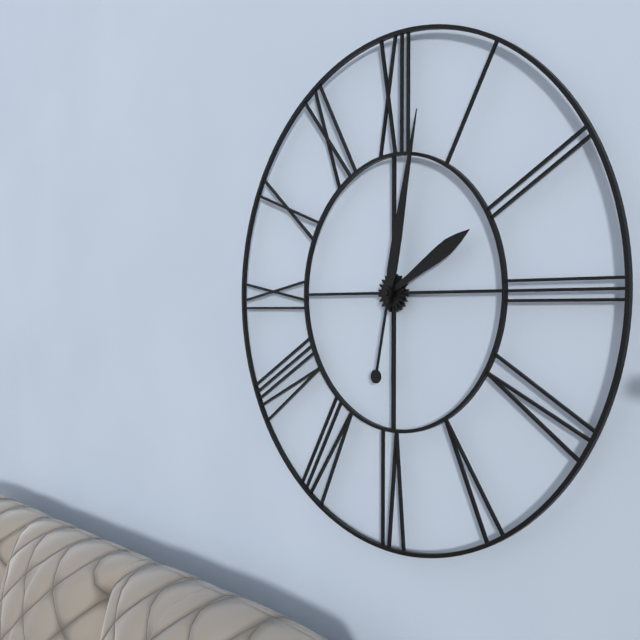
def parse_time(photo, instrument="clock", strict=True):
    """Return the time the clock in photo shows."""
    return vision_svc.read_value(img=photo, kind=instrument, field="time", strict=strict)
2:02
